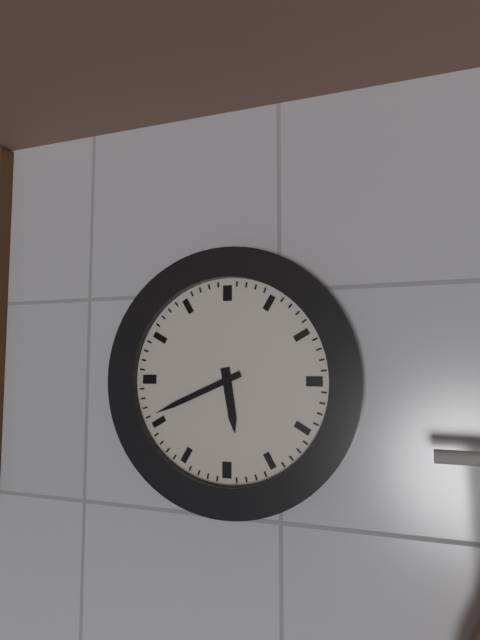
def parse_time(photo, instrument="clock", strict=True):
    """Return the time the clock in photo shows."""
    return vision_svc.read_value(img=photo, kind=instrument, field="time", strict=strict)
5:41
